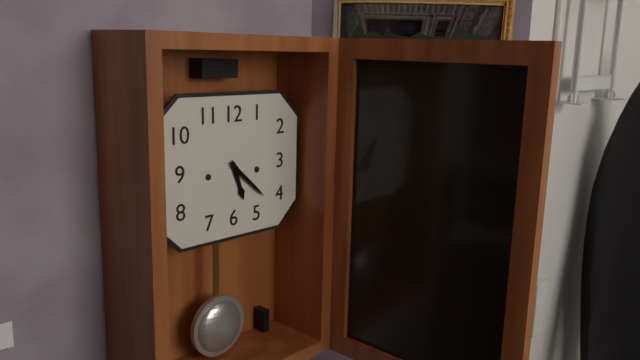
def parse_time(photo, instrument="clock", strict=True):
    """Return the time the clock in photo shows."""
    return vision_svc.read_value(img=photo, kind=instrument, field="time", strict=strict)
5:22
